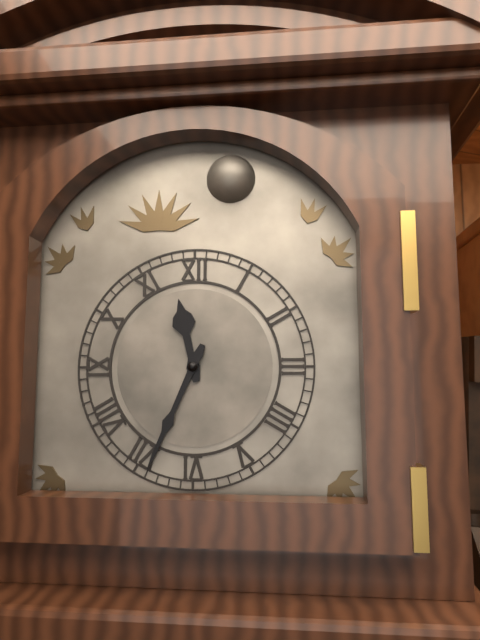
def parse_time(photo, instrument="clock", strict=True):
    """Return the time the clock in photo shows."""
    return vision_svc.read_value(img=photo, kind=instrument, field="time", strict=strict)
11:34
